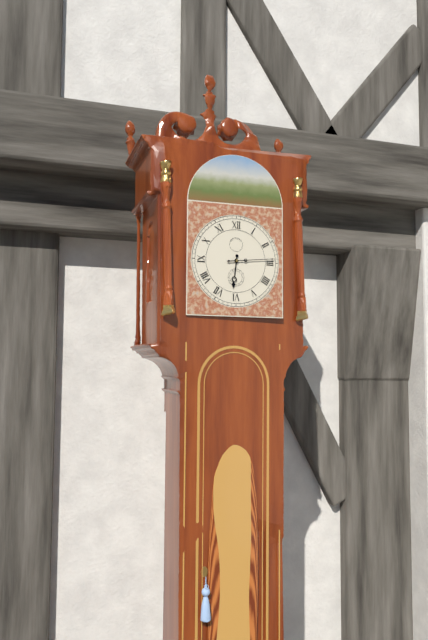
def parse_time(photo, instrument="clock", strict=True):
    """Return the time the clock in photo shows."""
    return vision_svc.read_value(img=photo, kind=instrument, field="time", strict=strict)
6:14
